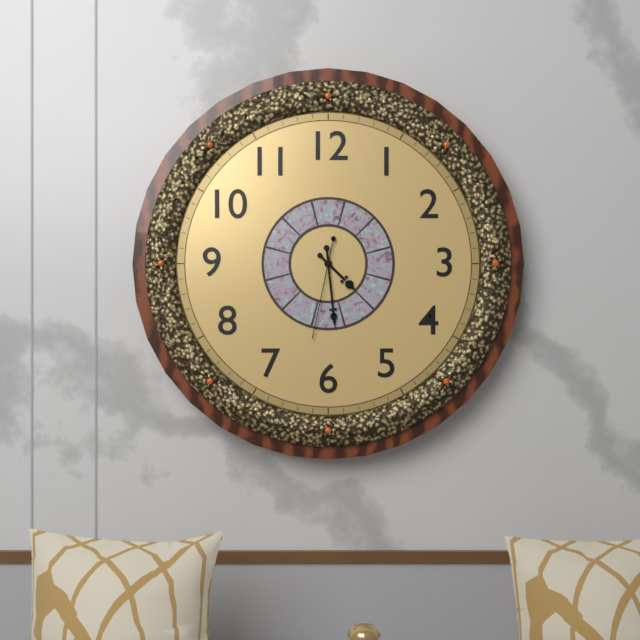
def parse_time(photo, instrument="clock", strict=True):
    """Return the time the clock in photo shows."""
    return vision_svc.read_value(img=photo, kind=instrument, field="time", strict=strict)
4:29:32
